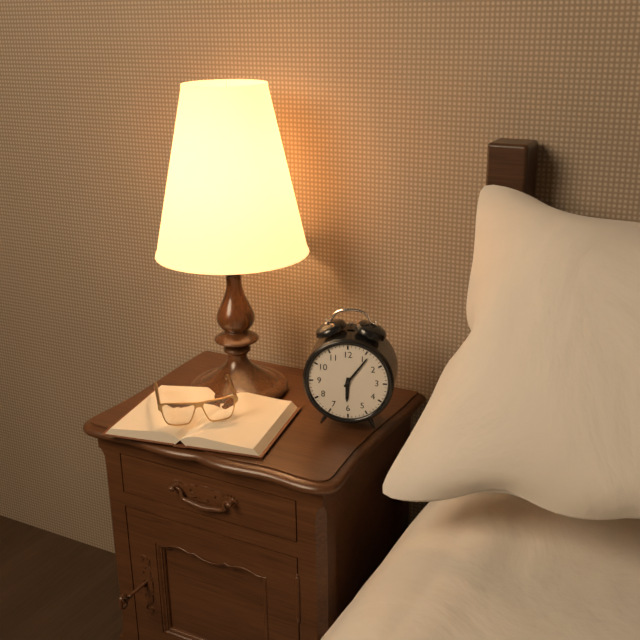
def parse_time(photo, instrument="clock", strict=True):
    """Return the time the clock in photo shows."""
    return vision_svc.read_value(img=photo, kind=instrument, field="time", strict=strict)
6:06
